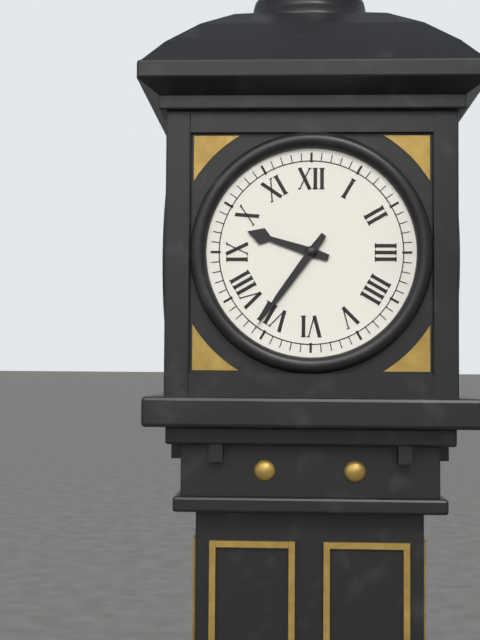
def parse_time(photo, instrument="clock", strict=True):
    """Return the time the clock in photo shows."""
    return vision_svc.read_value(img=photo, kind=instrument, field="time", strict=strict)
9:36
